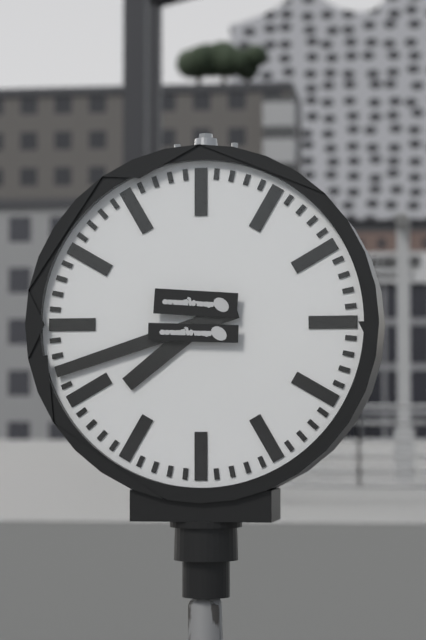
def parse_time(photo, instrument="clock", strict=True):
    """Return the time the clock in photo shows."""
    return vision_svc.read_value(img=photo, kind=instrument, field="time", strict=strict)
7:42
